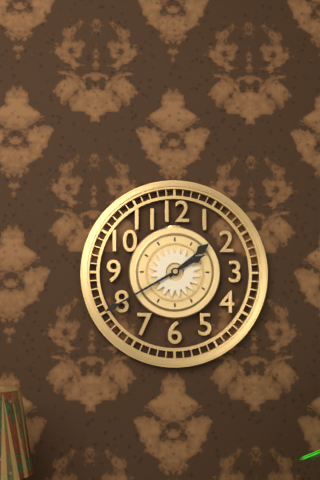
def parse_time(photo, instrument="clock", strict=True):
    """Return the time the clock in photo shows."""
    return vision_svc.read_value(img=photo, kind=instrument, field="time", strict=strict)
1:40
